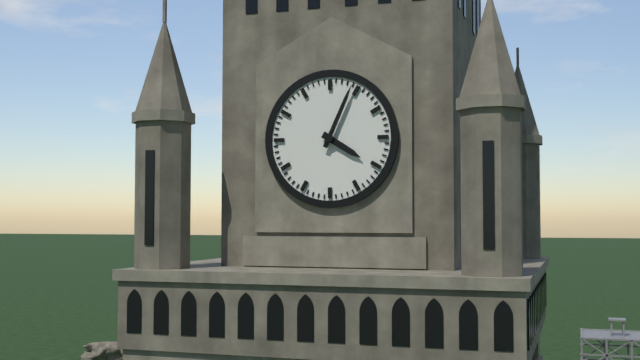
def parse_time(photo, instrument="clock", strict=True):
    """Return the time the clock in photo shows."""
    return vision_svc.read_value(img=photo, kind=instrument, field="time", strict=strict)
4:04
